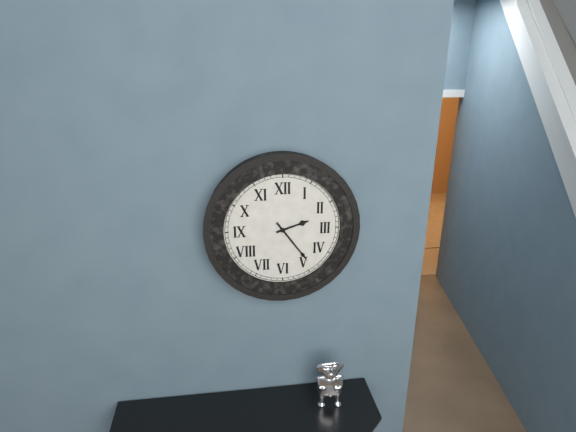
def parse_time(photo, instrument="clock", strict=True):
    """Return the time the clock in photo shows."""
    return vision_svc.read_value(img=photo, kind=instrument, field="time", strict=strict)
2:24
